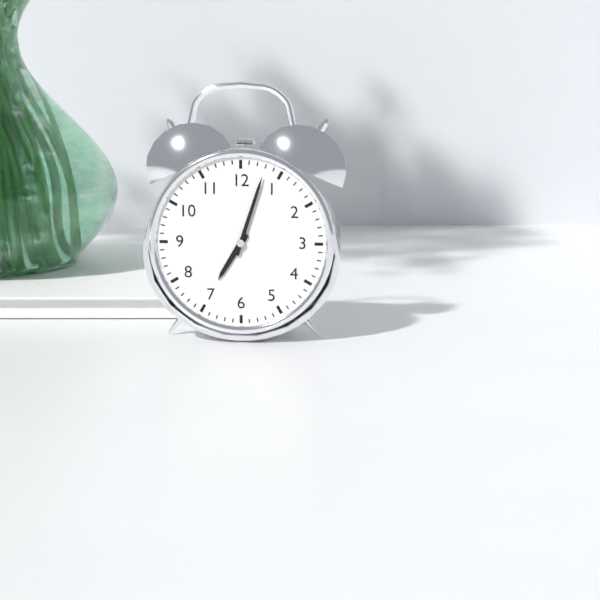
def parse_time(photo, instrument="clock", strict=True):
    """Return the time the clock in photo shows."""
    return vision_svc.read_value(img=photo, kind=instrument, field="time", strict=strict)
7:03
